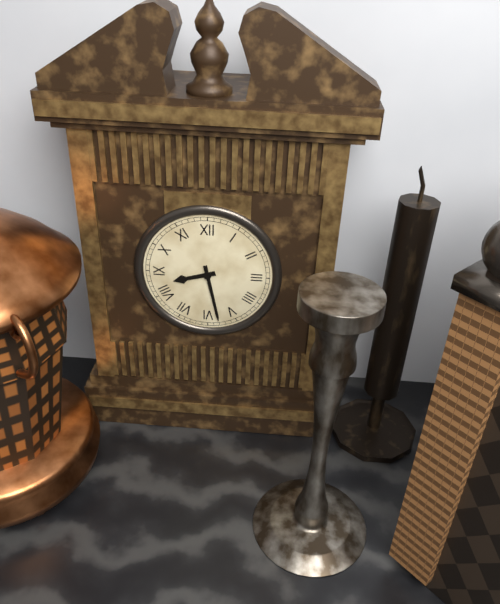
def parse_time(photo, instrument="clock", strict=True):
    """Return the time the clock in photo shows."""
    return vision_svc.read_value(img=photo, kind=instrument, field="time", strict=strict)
8:28
